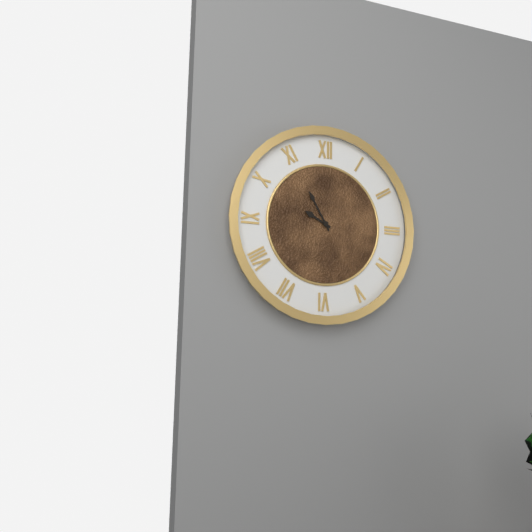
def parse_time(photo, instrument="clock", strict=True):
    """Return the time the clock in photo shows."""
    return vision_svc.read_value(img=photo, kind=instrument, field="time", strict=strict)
9:55
